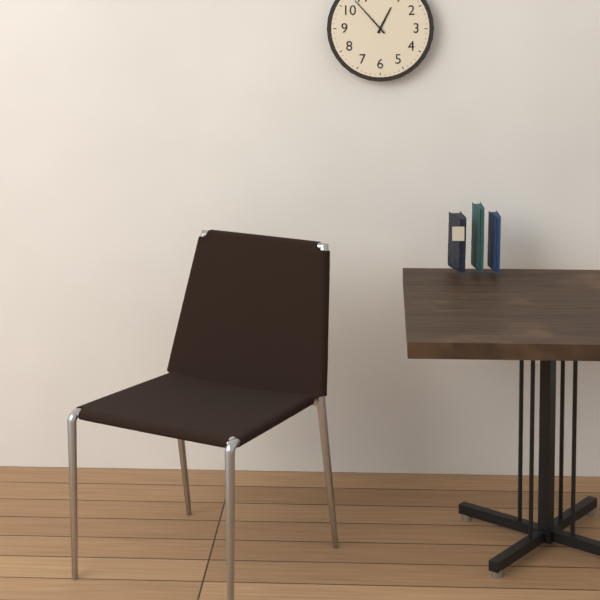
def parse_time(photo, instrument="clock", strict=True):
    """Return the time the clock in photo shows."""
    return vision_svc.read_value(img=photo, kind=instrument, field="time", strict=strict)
12:53
